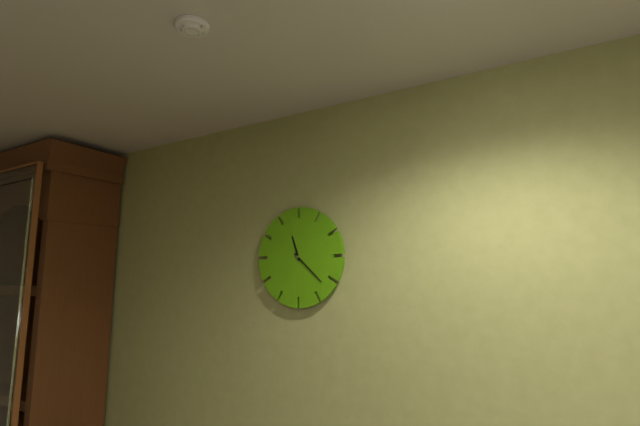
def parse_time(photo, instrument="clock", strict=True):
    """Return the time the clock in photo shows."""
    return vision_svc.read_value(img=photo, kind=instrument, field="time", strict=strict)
11:22
